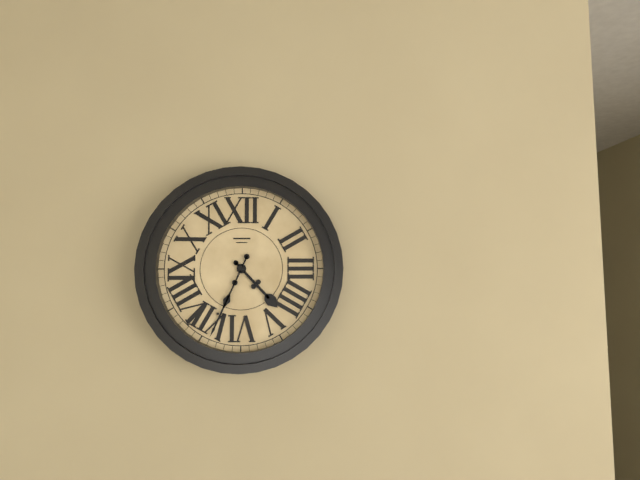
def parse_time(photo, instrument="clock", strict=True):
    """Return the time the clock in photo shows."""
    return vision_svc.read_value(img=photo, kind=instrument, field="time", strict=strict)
4:34
